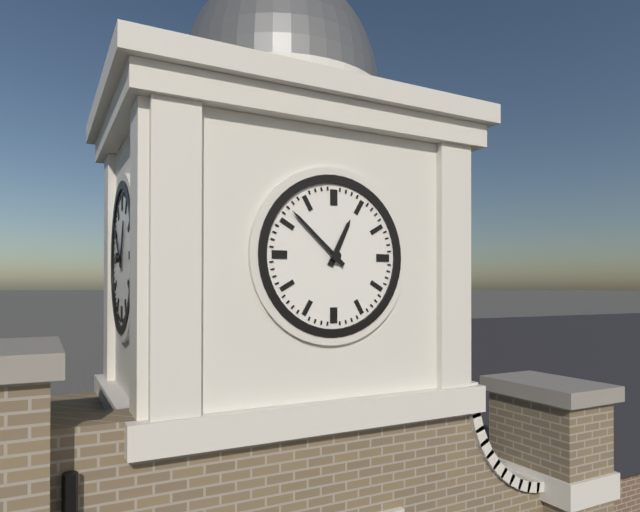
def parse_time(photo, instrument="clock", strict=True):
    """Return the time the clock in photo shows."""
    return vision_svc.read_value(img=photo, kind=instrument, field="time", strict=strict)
12:52
